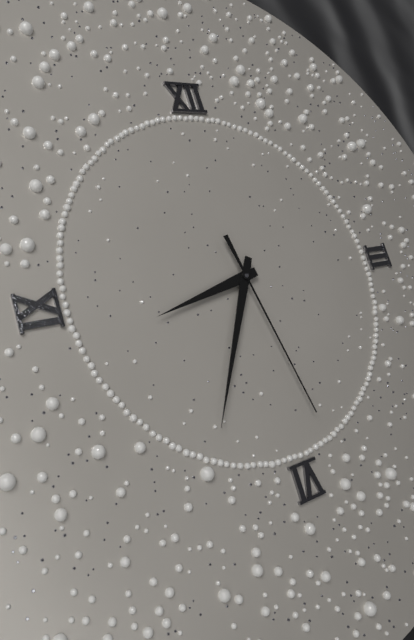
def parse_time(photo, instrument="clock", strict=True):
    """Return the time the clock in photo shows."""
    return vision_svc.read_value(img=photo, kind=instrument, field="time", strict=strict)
8:35:28
